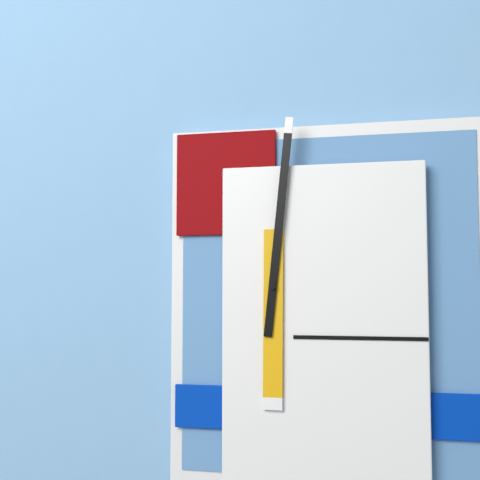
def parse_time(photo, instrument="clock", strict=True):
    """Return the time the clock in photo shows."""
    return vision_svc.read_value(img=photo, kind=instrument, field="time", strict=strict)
6:01
